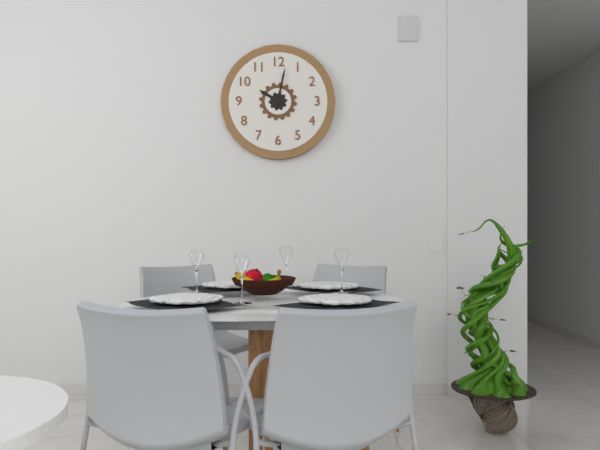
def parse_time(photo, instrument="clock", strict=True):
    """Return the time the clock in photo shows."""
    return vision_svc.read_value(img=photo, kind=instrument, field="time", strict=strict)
10:02
